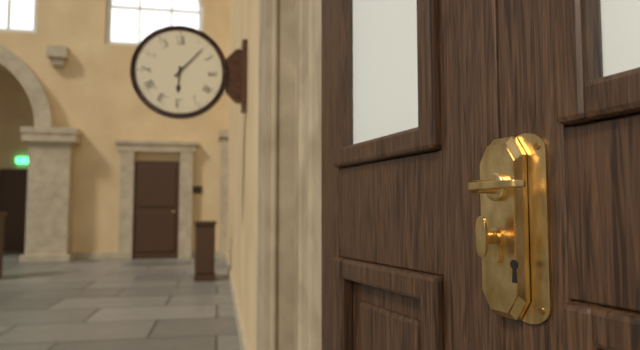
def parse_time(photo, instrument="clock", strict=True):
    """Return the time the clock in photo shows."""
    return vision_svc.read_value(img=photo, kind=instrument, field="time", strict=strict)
6:07
